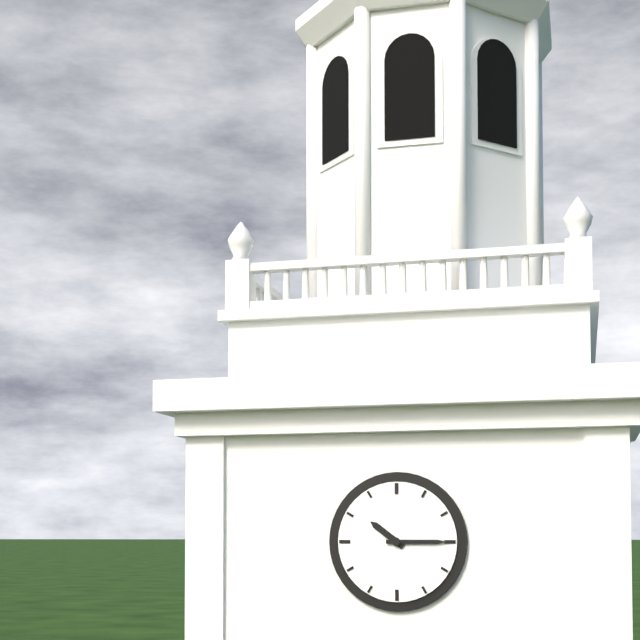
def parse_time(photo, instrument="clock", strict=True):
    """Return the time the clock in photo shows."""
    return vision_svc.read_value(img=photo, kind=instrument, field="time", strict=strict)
10:15
